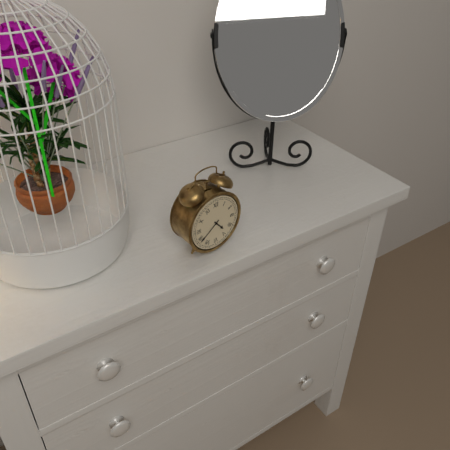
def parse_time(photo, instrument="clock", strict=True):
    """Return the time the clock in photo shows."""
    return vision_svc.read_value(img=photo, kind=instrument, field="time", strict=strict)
4:39
